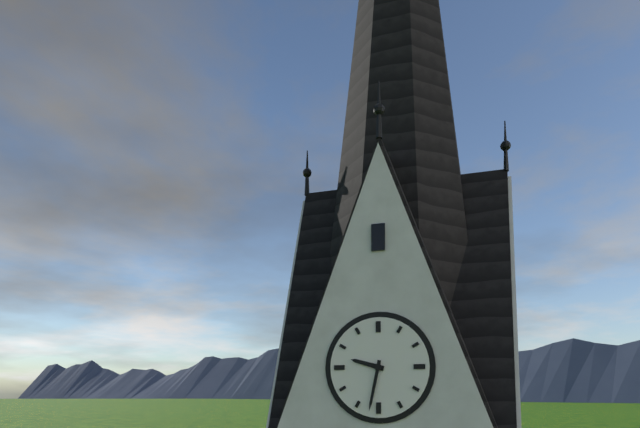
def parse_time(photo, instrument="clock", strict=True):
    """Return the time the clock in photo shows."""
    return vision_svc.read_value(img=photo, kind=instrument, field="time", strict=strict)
9:32
